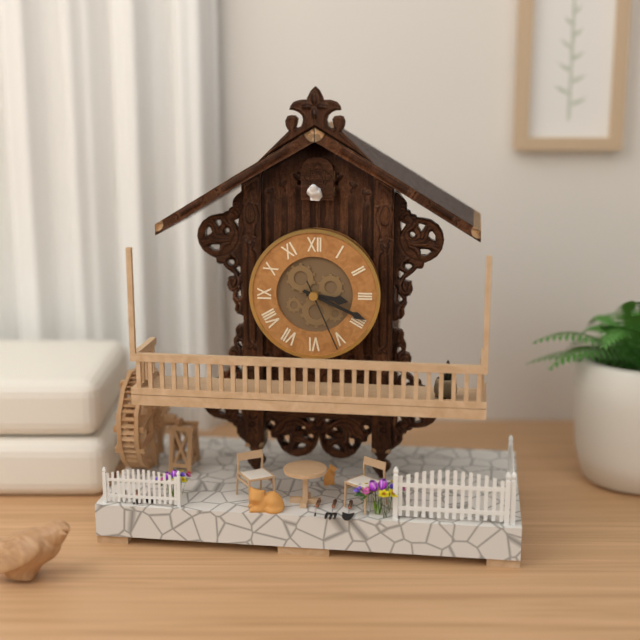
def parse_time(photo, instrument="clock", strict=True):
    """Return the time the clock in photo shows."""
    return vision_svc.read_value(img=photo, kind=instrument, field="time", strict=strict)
3:19:26
